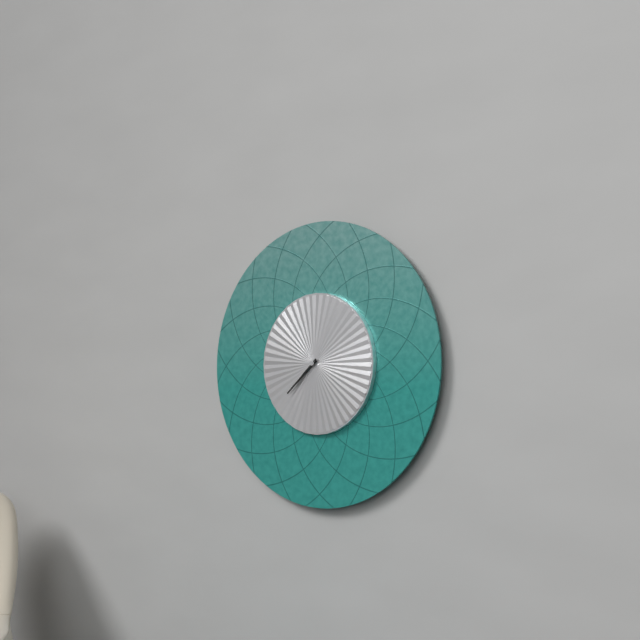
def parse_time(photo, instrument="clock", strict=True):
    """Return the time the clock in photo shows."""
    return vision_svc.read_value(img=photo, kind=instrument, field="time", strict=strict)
7:38
